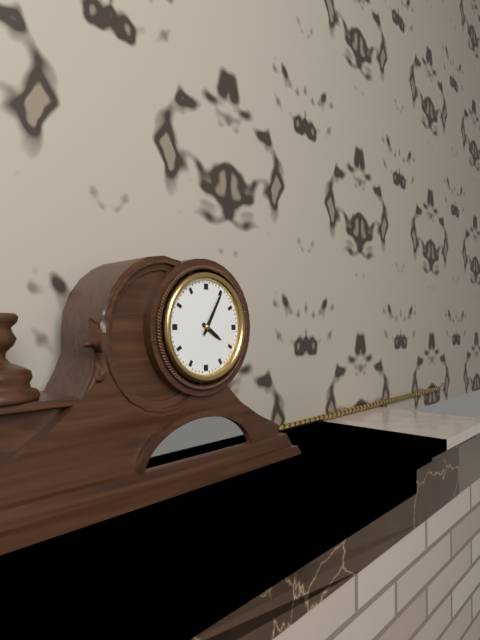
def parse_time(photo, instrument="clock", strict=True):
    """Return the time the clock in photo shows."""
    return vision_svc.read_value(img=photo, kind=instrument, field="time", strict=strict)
4:05
